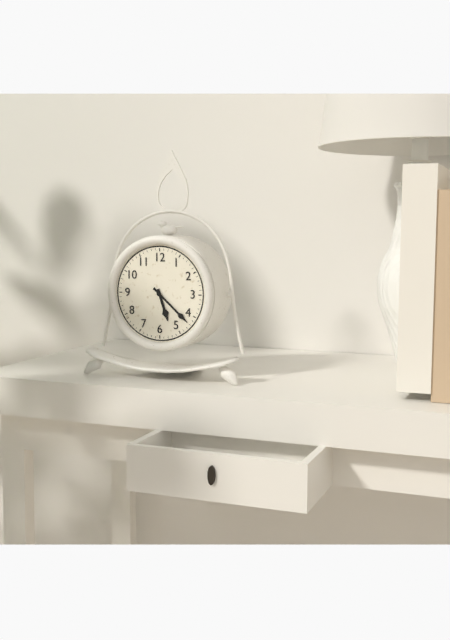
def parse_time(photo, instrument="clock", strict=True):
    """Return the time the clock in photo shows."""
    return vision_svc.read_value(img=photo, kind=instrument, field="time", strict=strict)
5:22
